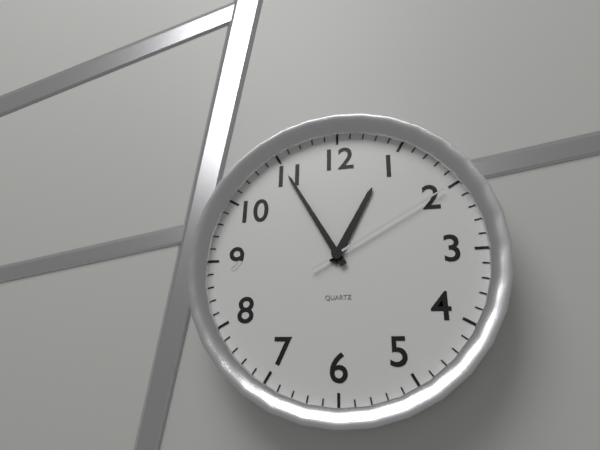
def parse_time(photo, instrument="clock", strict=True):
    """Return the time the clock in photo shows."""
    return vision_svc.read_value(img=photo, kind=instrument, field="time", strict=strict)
12:55:10
